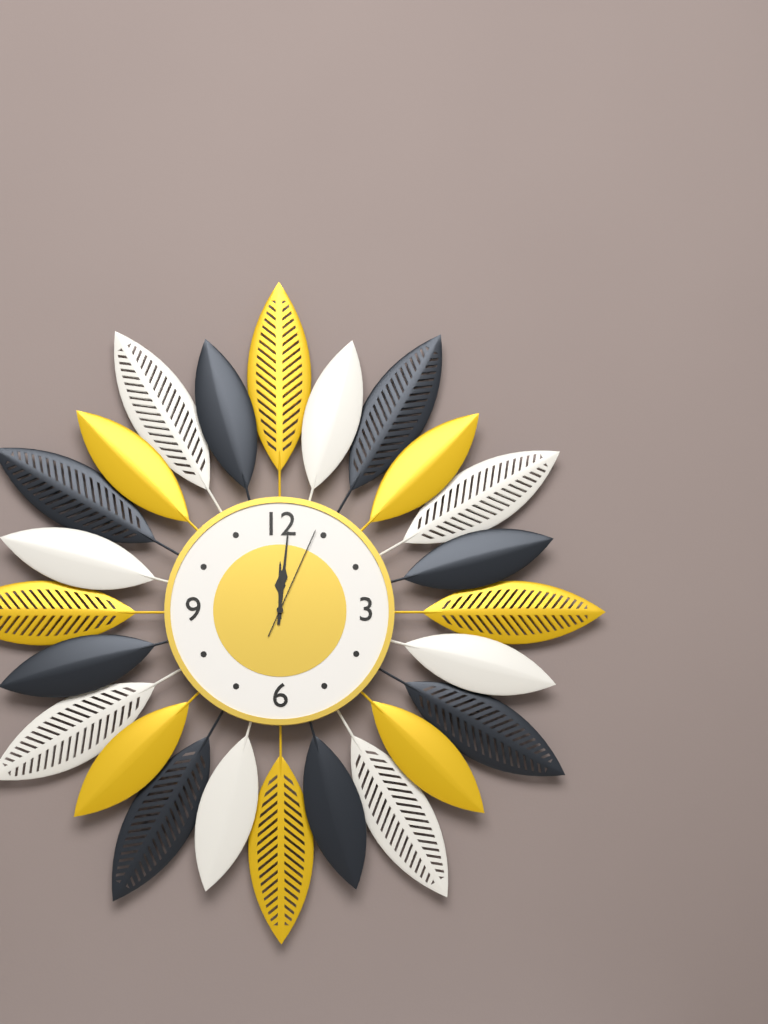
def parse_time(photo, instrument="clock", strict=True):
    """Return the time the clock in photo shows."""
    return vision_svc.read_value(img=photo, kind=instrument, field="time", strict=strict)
12:01:04
